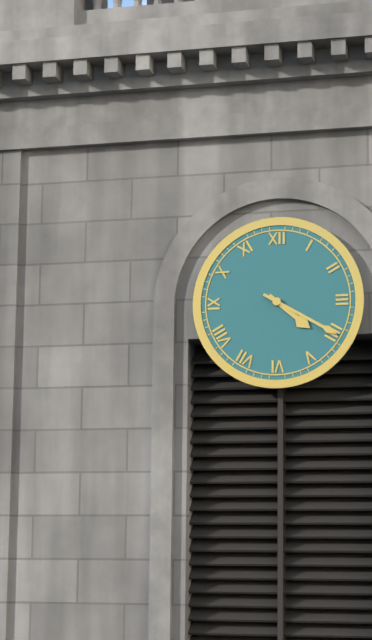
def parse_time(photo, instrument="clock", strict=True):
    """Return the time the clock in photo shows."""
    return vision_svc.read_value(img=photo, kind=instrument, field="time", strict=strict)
4:20
